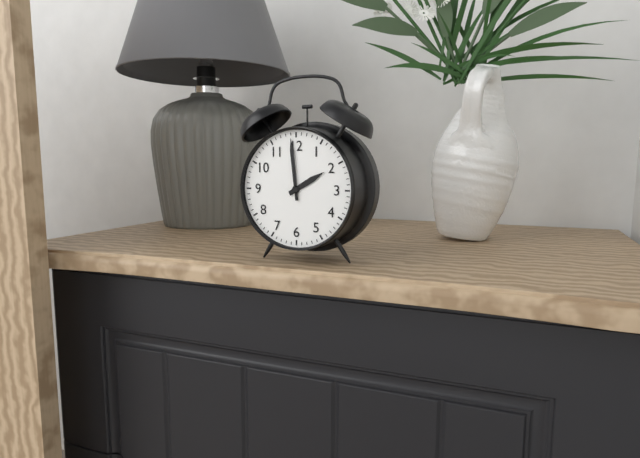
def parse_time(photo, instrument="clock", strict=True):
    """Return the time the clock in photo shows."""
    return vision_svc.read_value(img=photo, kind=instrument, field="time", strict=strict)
1:59
